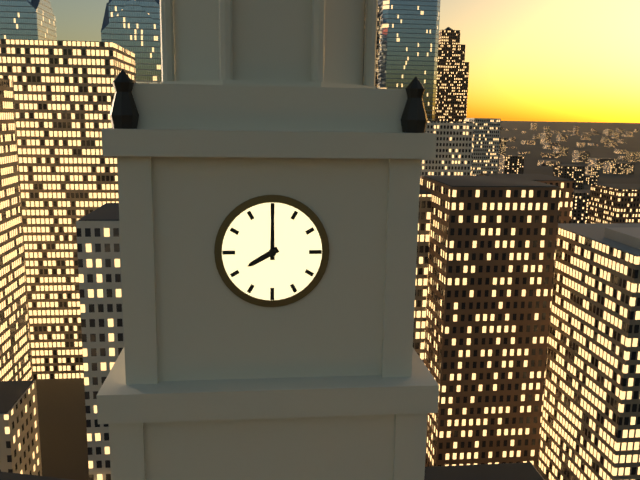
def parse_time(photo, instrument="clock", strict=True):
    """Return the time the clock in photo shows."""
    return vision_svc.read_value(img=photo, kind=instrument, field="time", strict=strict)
8:00
